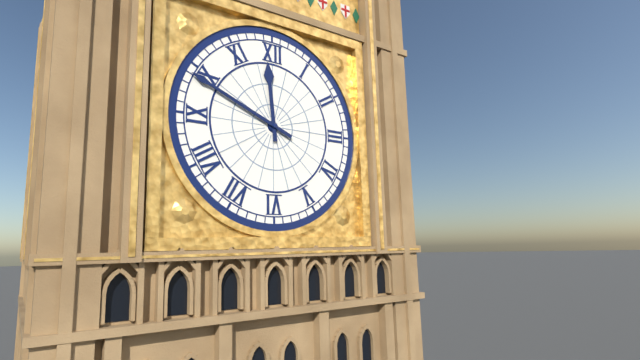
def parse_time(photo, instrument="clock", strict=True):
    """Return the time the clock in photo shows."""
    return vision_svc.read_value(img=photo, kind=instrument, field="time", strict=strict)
11:49
